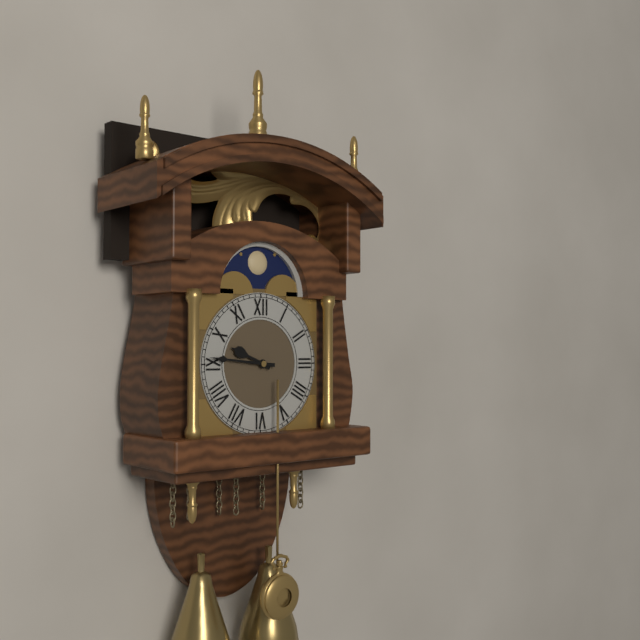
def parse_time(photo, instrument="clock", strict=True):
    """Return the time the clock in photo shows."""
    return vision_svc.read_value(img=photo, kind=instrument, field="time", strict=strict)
9:46
